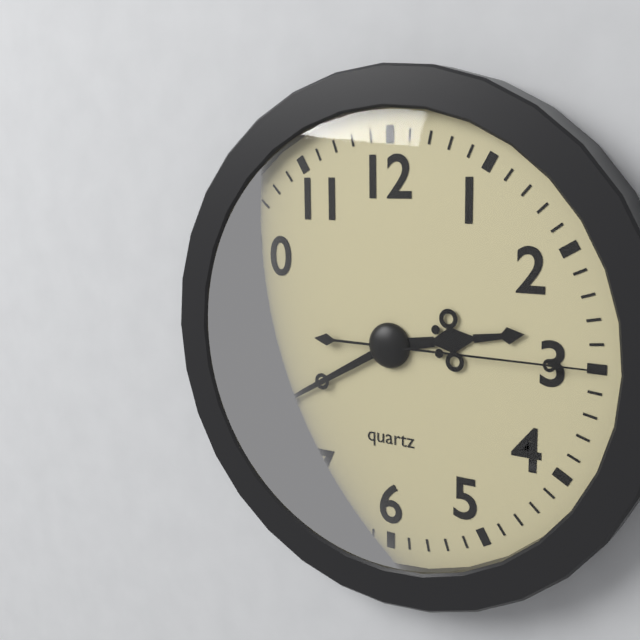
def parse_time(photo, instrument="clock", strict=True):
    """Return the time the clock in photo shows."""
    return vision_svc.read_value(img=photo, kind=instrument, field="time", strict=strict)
2:40:15
